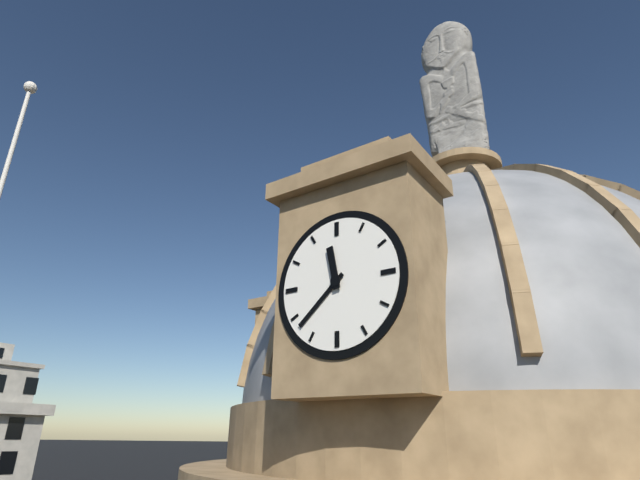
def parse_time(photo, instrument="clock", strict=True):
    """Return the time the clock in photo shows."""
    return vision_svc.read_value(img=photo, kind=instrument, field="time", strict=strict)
11:38
